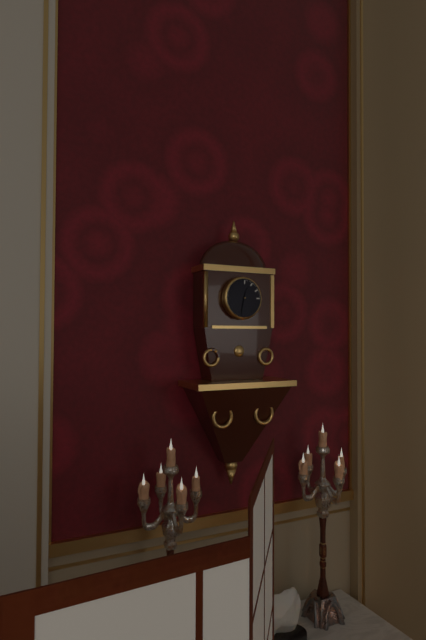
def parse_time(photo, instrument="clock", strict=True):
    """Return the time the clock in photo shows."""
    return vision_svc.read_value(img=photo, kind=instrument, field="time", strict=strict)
12:32
